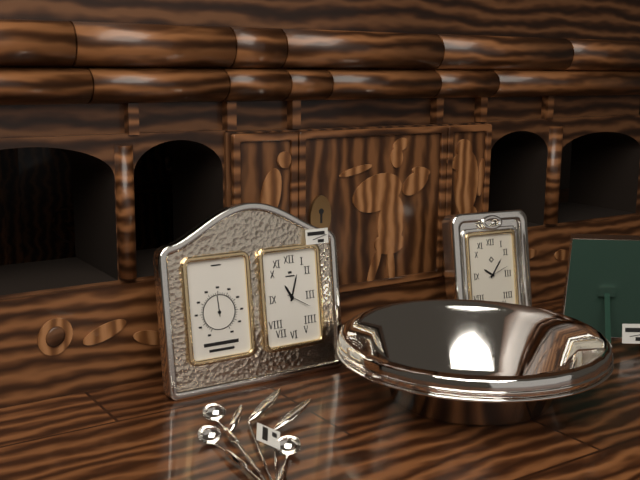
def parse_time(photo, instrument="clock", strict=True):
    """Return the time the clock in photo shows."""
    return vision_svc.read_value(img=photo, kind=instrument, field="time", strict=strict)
11:03
